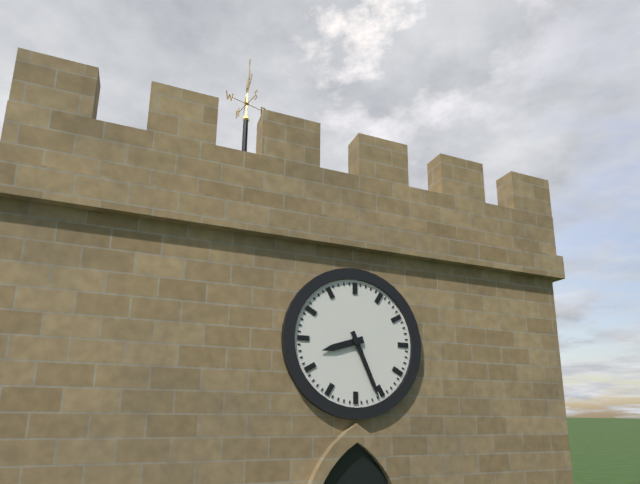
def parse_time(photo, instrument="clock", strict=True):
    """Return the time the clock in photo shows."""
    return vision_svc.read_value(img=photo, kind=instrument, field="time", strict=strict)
8:26
